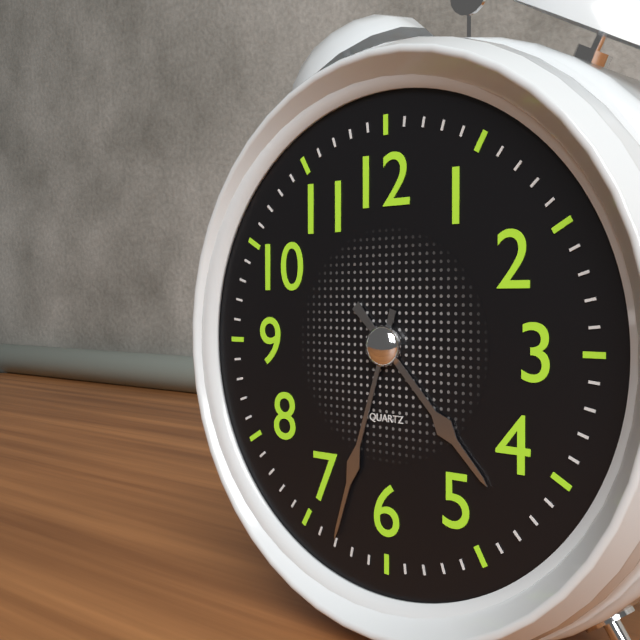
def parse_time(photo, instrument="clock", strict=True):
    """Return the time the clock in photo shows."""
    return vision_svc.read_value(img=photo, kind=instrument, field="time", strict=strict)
4:33
